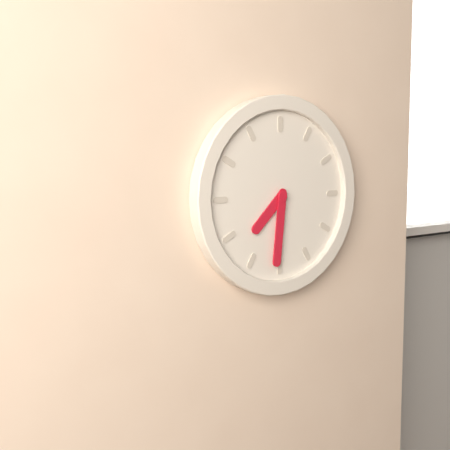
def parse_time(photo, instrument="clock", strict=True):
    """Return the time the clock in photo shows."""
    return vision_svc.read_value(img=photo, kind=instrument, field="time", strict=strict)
7:31
